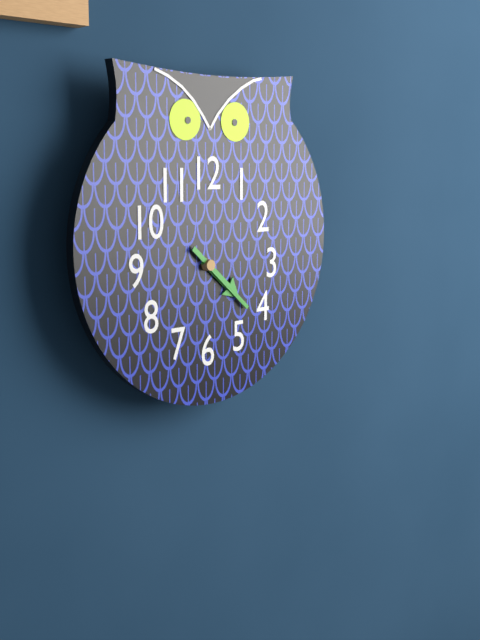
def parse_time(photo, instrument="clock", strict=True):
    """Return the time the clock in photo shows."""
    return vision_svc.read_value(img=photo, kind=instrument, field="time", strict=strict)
4:22
